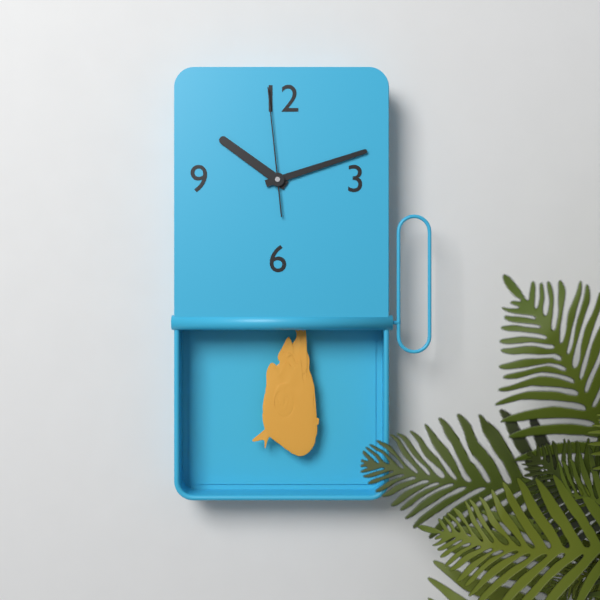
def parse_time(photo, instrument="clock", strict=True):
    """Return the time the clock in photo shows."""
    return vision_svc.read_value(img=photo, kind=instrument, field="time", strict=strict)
10:12:59
